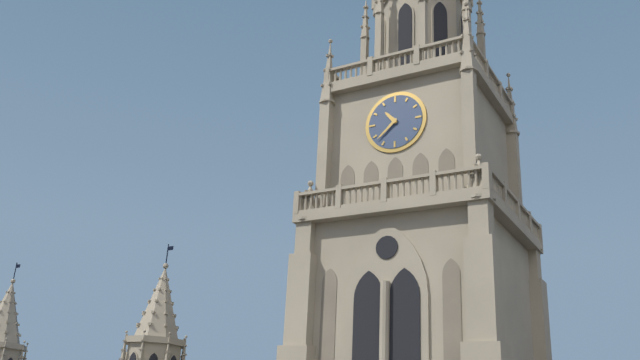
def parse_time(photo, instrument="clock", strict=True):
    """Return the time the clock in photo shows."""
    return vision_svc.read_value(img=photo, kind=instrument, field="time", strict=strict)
10:38
